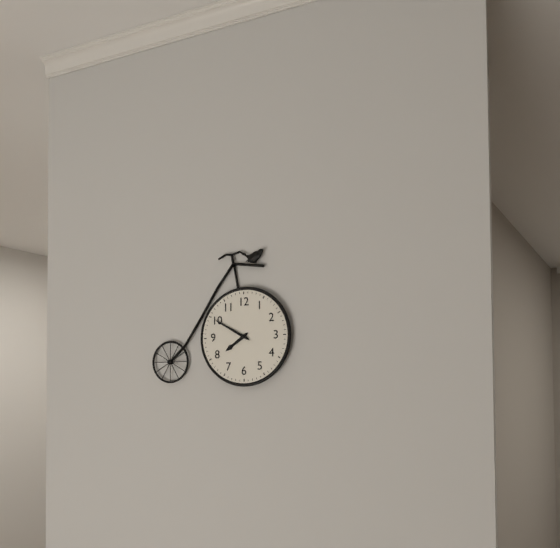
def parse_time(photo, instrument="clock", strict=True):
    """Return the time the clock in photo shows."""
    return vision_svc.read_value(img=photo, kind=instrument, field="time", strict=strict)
7:50
